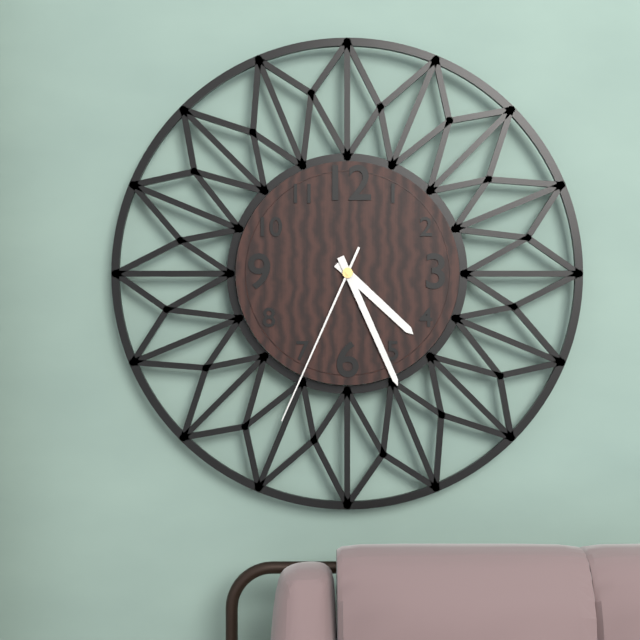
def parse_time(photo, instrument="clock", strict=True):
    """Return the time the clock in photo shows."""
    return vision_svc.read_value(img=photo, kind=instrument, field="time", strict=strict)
4:26:34
